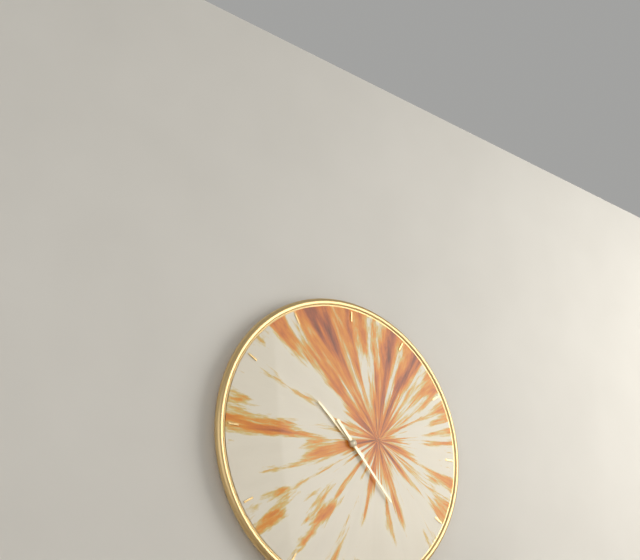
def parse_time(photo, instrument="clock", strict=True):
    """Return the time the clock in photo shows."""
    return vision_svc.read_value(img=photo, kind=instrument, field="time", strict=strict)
10:23
